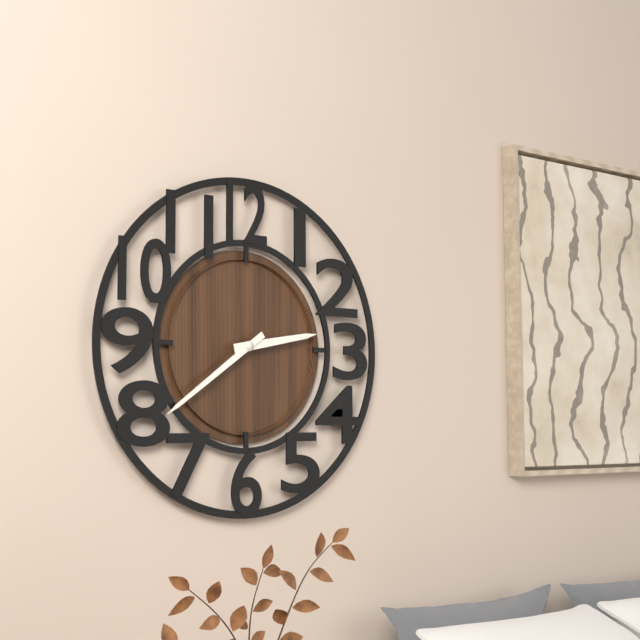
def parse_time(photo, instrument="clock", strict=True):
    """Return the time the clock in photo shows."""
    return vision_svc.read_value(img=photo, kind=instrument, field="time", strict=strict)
2:39
